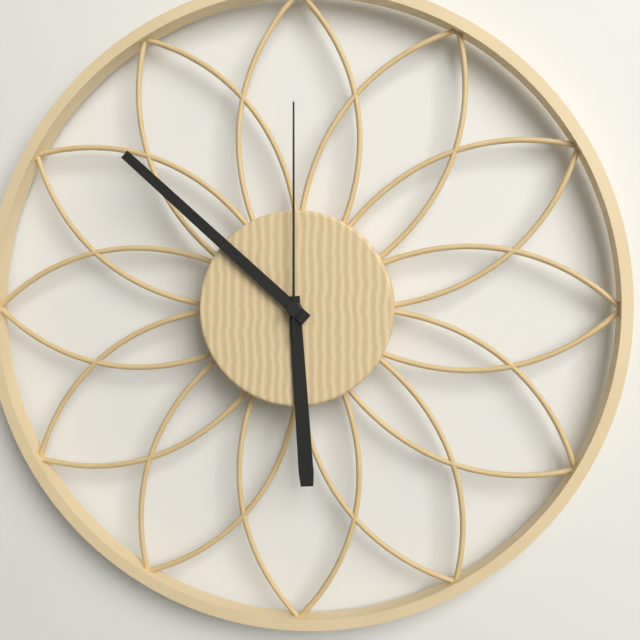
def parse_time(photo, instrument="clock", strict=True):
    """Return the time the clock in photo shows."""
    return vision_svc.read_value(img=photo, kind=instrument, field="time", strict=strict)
5:52:00
